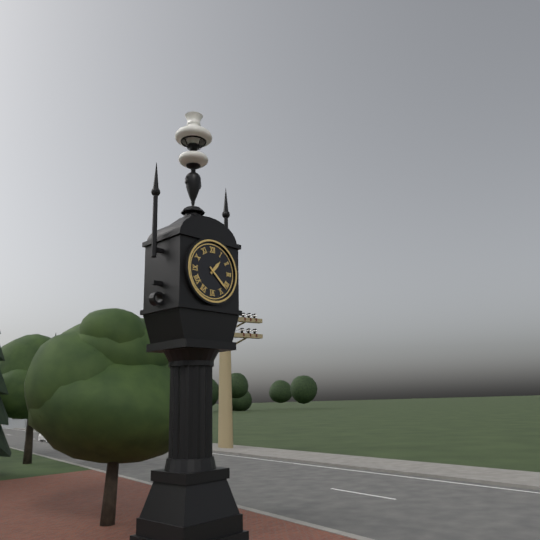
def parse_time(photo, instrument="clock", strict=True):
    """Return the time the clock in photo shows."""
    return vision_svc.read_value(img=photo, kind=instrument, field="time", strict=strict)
1:22
